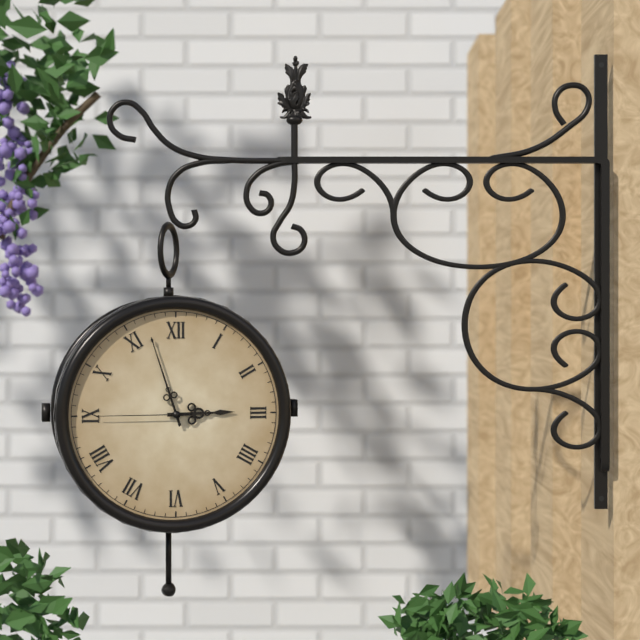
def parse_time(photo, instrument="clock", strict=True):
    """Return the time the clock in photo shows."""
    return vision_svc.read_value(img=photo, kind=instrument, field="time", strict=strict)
2:57:45
